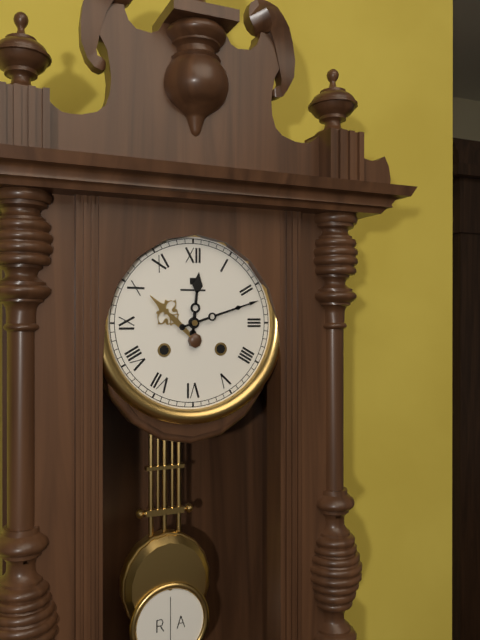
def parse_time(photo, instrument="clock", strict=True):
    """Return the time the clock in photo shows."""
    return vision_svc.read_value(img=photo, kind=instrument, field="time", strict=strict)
12:12
